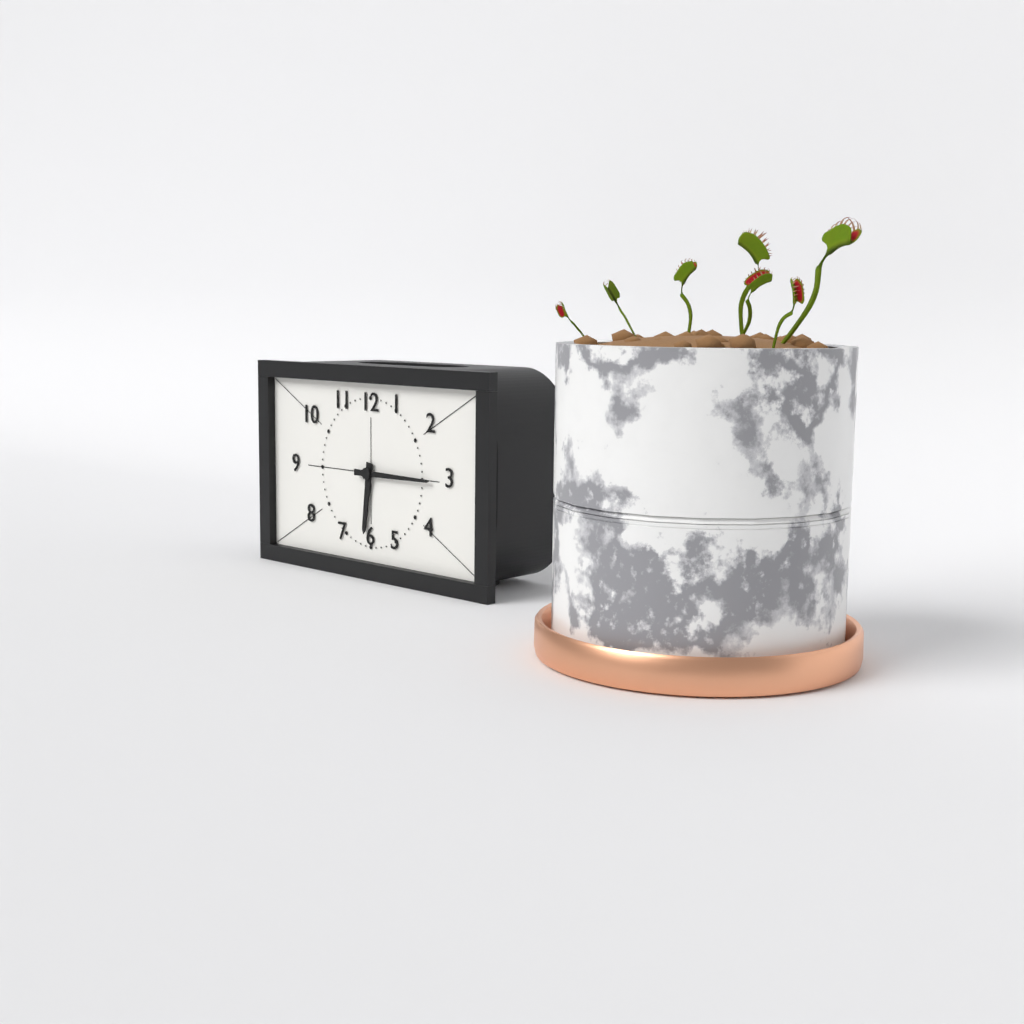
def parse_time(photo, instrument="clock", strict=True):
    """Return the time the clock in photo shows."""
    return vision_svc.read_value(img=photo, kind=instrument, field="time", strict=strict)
6:15
